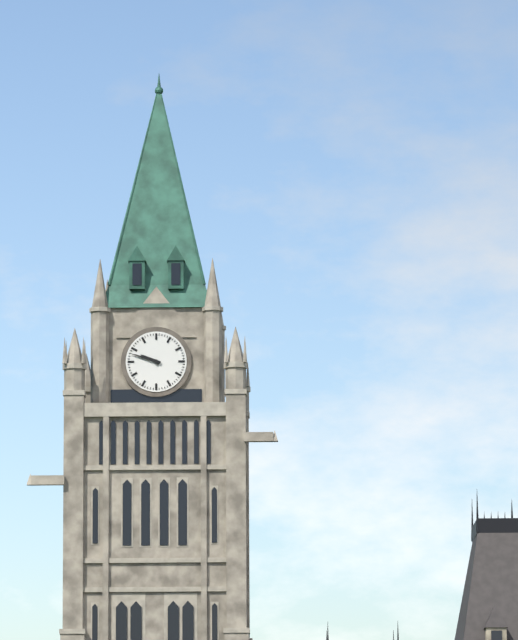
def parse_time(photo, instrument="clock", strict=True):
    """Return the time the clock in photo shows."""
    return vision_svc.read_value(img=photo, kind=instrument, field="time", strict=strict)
9:48
